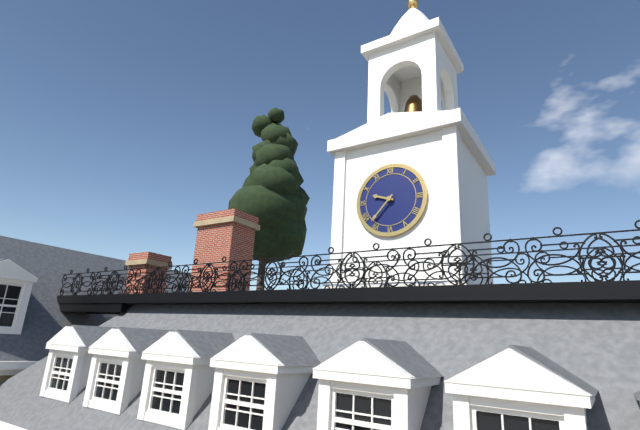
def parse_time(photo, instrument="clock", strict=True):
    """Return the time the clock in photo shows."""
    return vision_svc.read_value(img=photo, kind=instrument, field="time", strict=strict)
9:37
